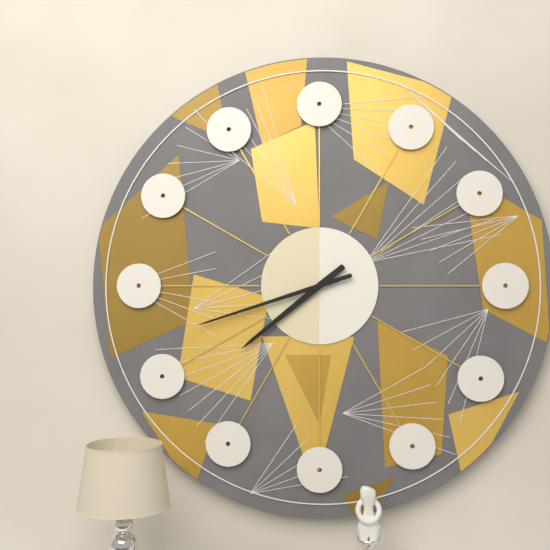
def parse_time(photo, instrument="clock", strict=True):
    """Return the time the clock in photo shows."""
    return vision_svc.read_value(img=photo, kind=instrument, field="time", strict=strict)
7:42
